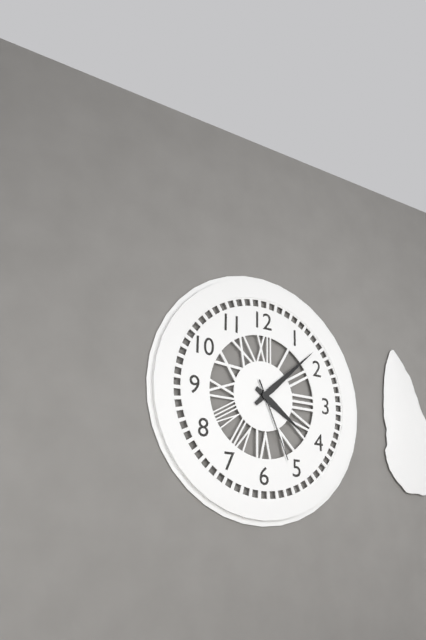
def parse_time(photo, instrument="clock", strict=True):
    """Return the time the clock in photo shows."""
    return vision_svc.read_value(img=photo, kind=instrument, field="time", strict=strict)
4:08:26
